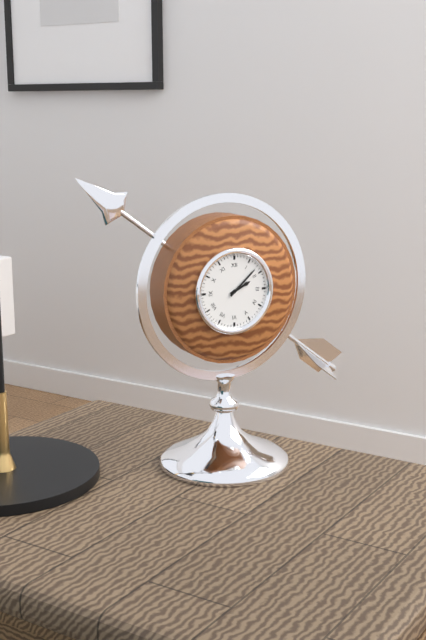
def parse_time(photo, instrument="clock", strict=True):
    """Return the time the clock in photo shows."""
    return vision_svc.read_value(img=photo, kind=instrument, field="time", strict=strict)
2:08
